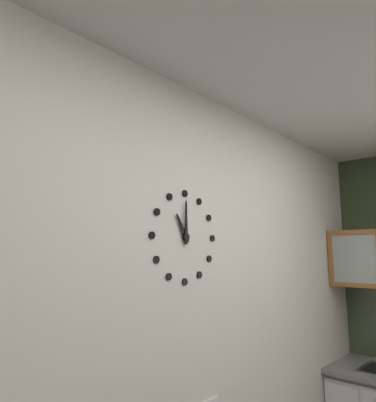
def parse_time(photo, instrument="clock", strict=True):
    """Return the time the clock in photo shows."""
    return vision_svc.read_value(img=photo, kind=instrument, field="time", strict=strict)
11:00
